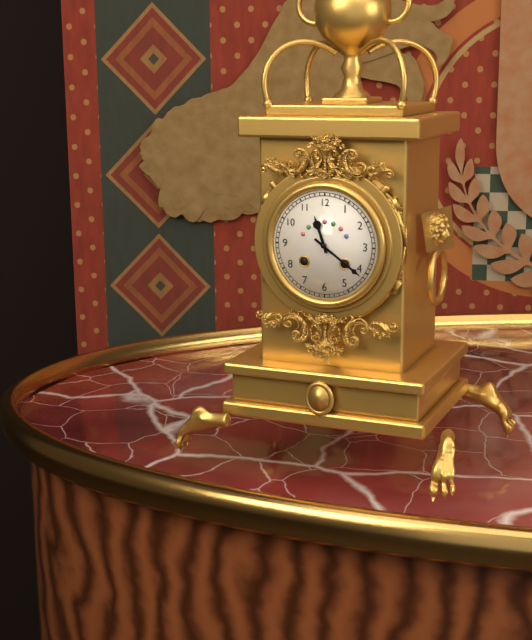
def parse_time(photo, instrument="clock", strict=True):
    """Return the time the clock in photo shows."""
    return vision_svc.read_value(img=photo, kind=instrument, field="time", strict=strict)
11:21
